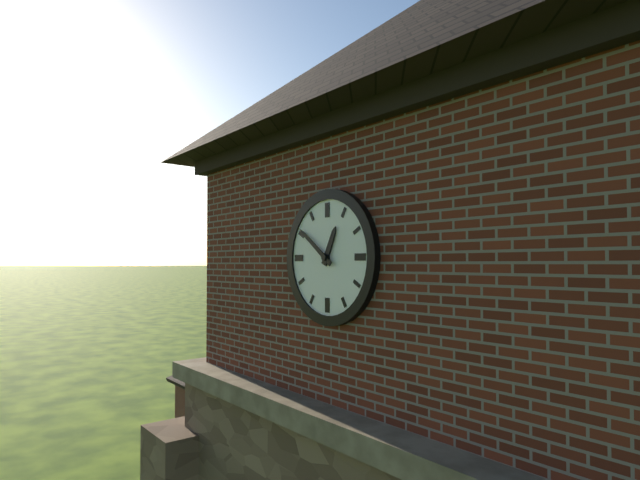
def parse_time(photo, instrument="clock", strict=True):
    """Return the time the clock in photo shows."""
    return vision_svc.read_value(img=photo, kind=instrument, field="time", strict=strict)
12:51
